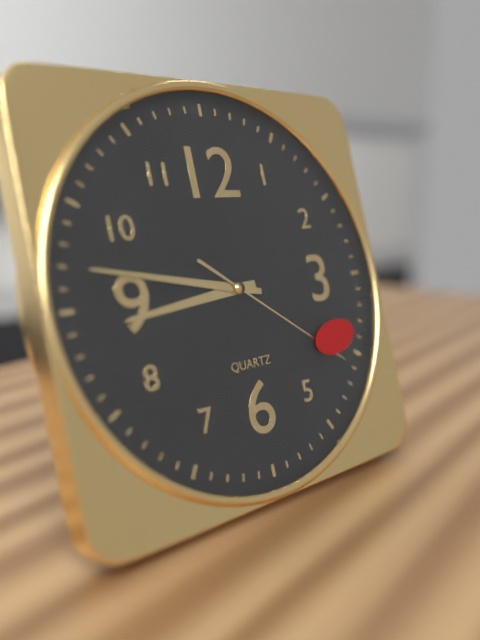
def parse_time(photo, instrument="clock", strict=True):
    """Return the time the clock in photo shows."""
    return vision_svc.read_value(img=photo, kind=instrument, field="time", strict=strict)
8:47:21
